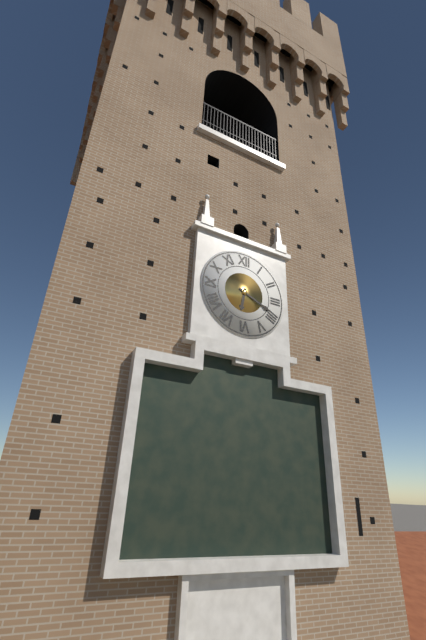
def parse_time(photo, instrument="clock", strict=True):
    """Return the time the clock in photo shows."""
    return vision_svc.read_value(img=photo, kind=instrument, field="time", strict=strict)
6:19
